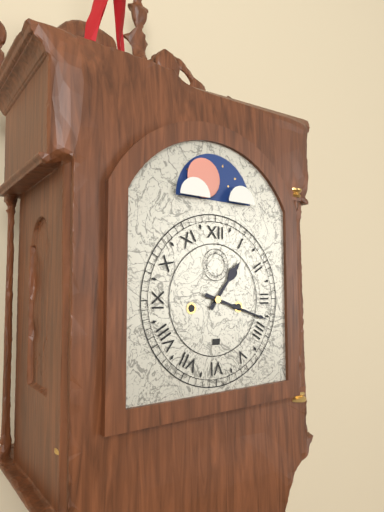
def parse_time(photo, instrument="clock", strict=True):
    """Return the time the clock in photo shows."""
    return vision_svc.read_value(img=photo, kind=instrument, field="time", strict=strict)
1:18
